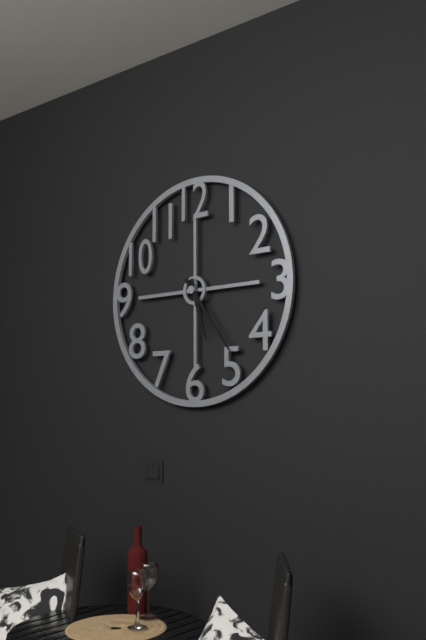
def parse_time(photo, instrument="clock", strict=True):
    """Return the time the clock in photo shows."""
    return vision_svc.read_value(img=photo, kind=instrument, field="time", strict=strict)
5:24
